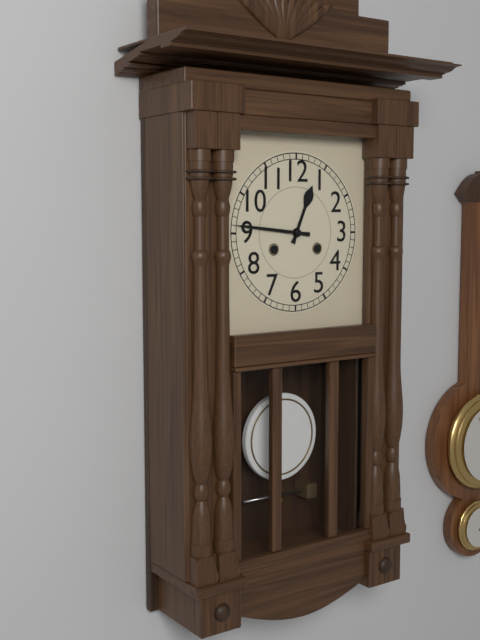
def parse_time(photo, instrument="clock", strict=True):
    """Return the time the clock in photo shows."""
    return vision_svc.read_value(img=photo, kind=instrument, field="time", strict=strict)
12:46
